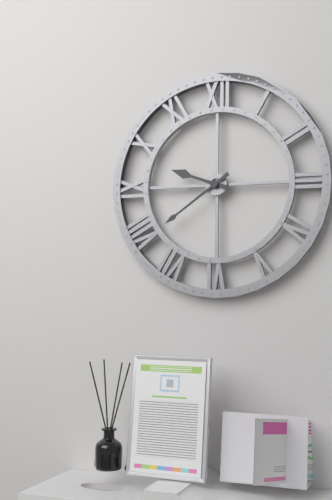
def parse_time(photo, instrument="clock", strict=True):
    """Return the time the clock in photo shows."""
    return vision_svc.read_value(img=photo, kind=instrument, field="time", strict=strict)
9:39
